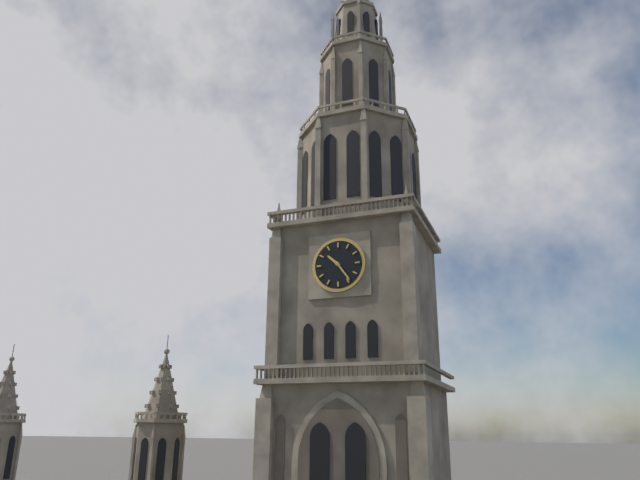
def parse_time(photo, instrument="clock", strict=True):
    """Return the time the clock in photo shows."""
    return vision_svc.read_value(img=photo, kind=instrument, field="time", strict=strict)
10:24
